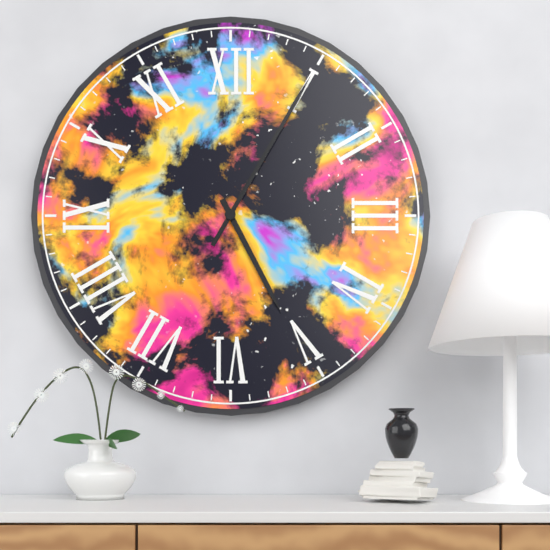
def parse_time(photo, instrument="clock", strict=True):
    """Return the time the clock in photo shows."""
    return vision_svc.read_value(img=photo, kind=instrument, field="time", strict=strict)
5:05
